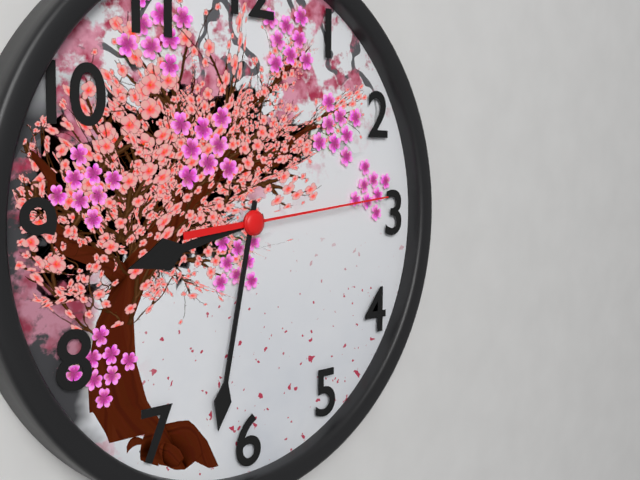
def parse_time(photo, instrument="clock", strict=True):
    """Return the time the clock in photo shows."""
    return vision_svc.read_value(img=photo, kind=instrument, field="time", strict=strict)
8:32:14
